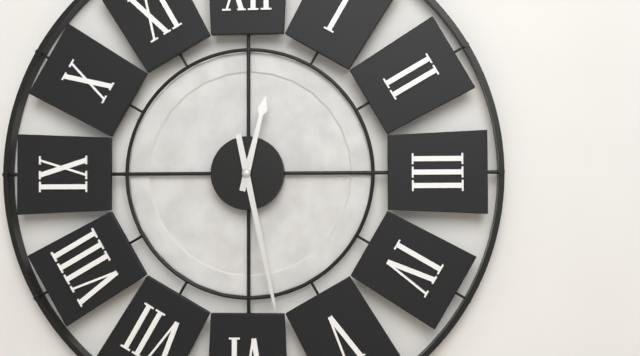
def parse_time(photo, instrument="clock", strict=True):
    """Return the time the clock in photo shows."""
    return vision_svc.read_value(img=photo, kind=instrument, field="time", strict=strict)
12:28
